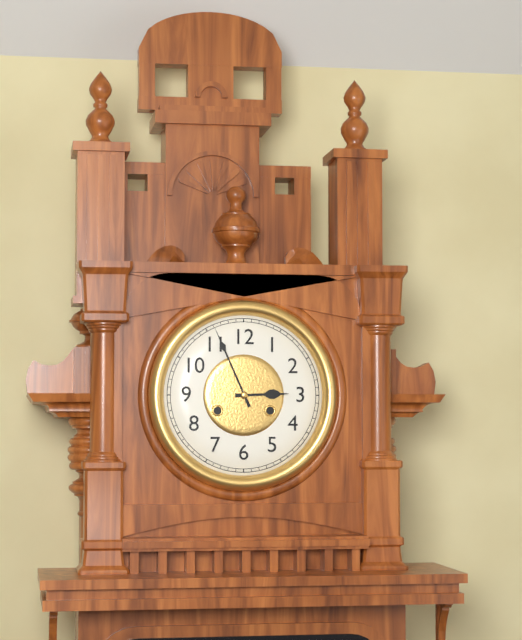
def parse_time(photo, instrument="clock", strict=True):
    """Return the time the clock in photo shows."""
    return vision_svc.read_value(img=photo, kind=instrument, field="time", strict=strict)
2:56
